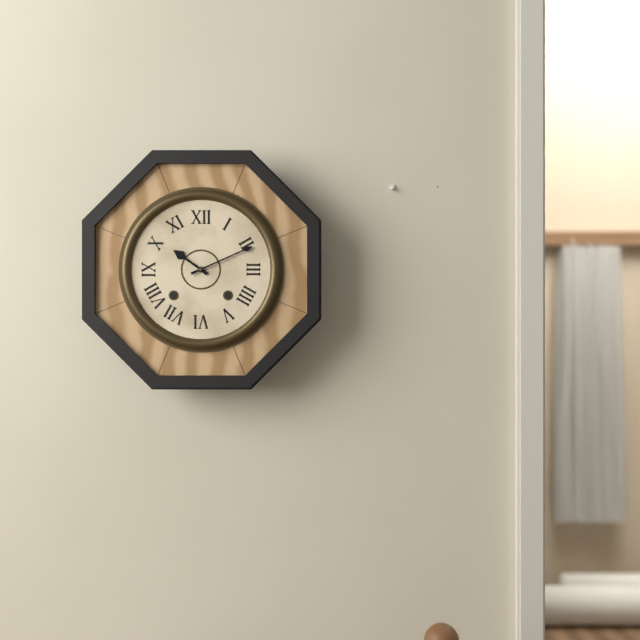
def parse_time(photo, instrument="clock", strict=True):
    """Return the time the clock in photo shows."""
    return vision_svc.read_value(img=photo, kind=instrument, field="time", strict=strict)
10:11
